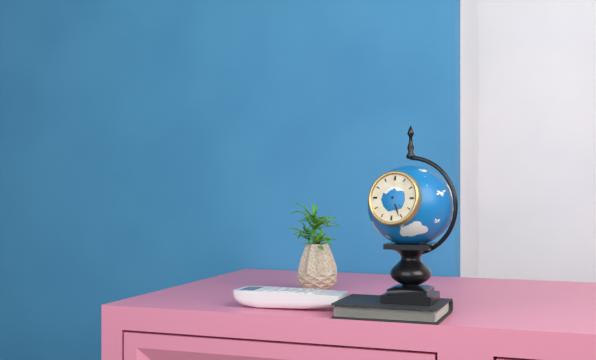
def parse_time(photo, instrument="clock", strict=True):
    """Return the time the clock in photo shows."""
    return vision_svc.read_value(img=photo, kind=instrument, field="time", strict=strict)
4:26
